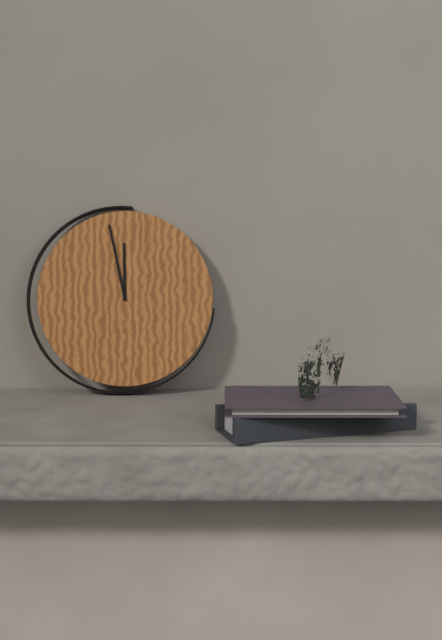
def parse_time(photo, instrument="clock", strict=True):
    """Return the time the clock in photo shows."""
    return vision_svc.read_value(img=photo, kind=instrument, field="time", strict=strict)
11:58
